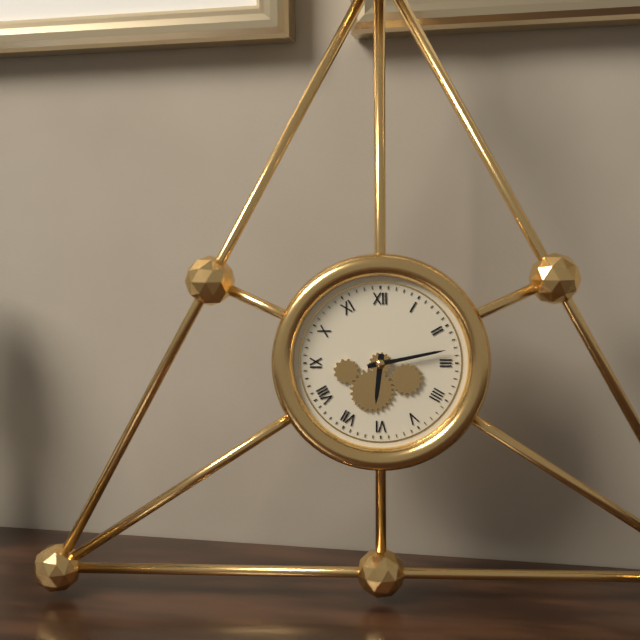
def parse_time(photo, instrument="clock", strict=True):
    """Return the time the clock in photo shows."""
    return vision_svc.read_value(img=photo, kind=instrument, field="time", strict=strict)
6:13
